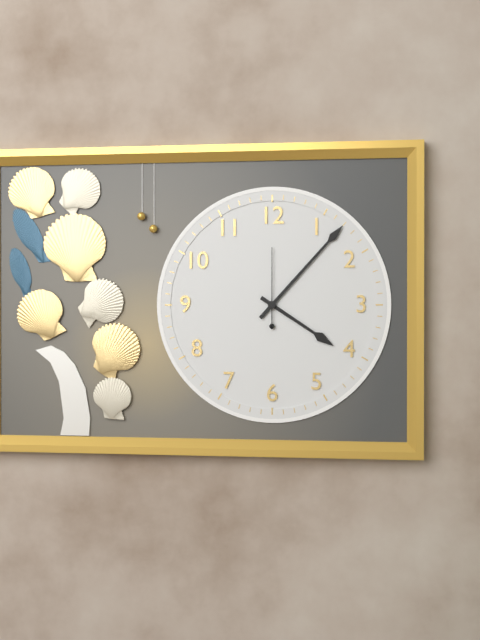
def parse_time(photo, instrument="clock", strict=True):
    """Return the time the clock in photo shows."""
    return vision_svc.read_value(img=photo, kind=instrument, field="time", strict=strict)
4:07:00
